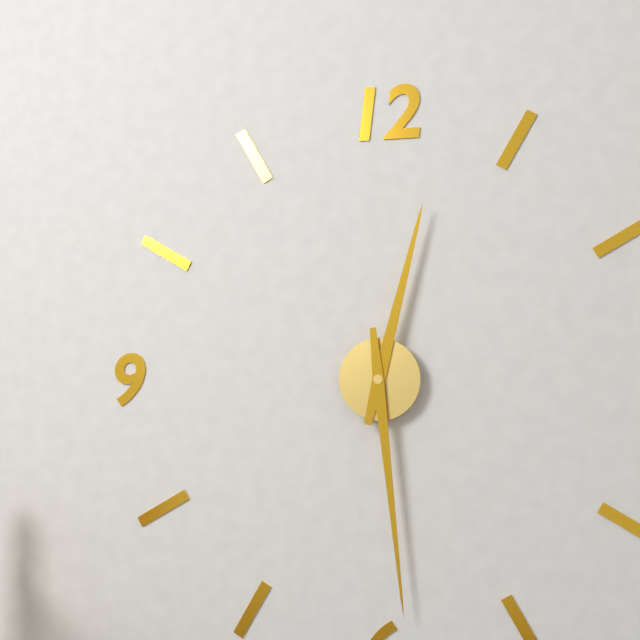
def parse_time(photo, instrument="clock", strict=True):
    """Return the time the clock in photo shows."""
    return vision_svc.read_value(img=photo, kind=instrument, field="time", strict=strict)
12:29
